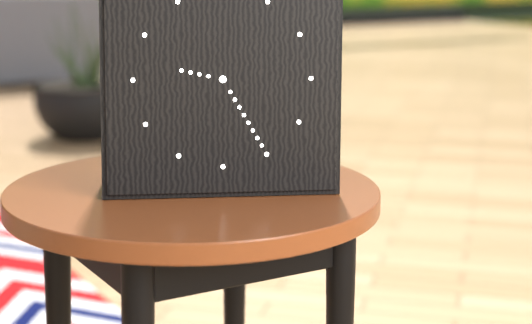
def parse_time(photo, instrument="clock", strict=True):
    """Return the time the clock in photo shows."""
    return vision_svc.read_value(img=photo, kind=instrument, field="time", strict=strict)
9:25
